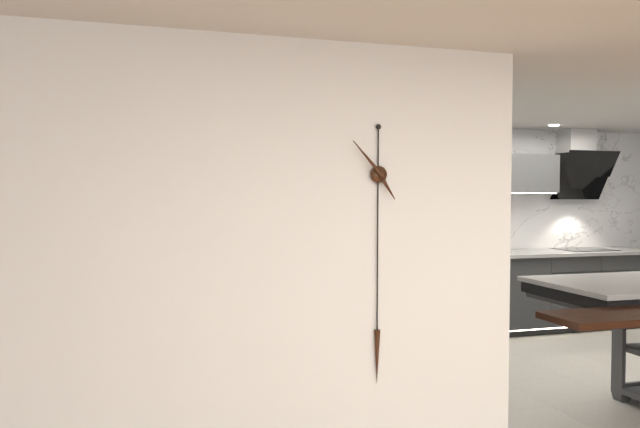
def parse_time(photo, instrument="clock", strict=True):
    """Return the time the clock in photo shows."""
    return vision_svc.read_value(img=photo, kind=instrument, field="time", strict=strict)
4:53
